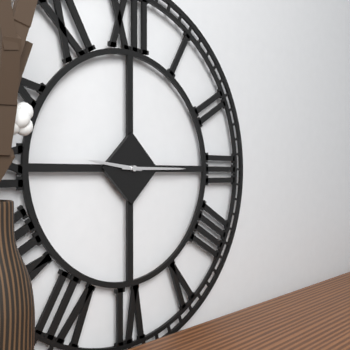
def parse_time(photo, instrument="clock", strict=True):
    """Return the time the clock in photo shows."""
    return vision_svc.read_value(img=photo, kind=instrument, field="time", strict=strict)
9:15
